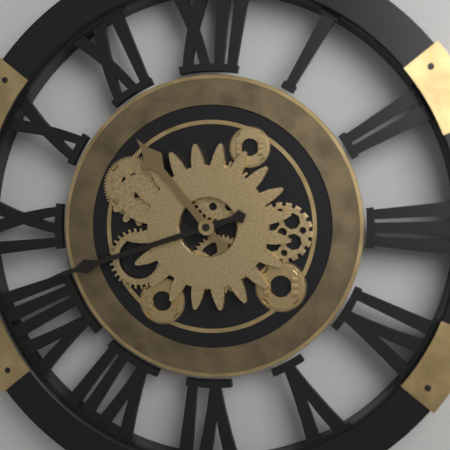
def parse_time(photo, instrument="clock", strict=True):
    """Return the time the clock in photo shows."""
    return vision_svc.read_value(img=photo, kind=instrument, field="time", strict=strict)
10:42
